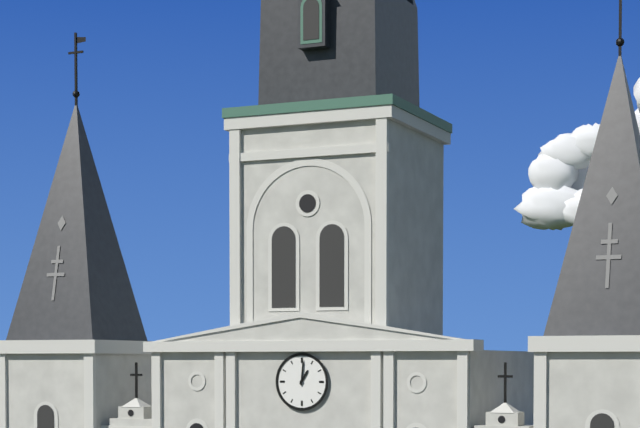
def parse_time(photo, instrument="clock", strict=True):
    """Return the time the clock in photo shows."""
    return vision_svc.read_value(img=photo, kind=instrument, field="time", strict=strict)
1:01
